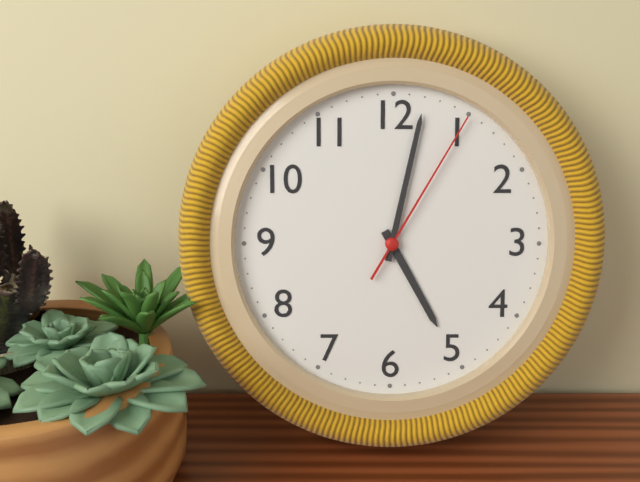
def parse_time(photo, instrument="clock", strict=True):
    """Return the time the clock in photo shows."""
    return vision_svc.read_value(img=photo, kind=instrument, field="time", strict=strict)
5:02:05
